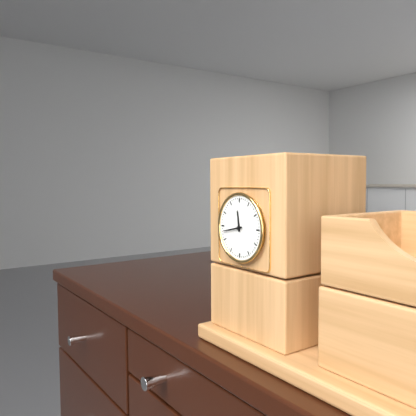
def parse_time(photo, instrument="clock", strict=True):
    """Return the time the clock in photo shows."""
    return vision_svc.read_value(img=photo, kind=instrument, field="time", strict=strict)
11:43
